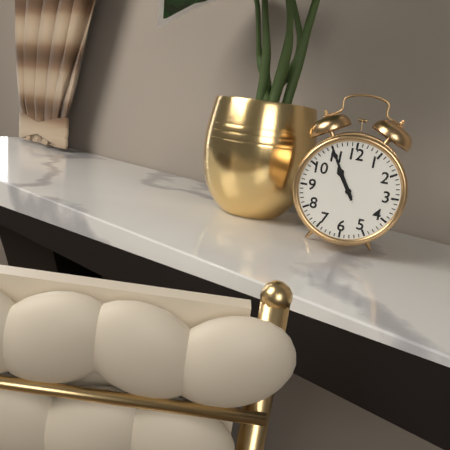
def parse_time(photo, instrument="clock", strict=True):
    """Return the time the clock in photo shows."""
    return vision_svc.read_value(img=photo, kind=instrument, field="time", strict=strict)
10:55
